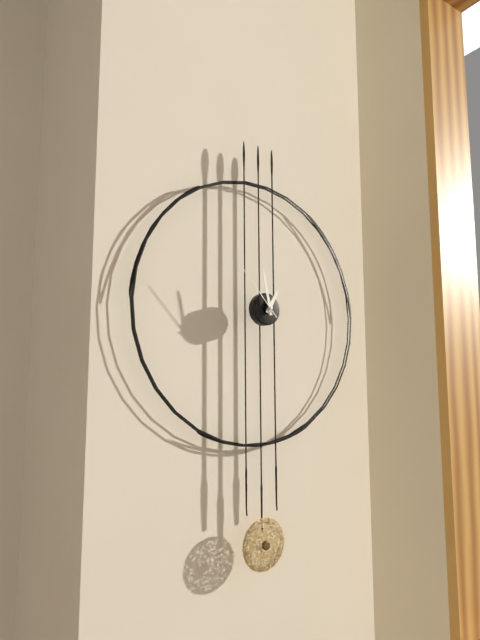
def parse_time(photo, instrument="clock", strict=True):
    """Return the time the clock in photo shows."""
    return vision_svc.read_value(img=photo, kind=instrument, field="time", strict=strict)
12:58:53
